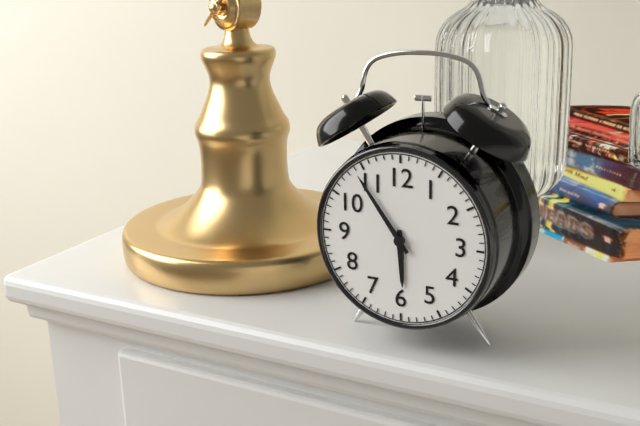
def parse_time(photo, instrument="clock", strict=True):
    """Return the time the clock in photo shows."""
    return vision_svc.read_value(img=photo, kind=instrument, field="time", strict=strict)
5:54
